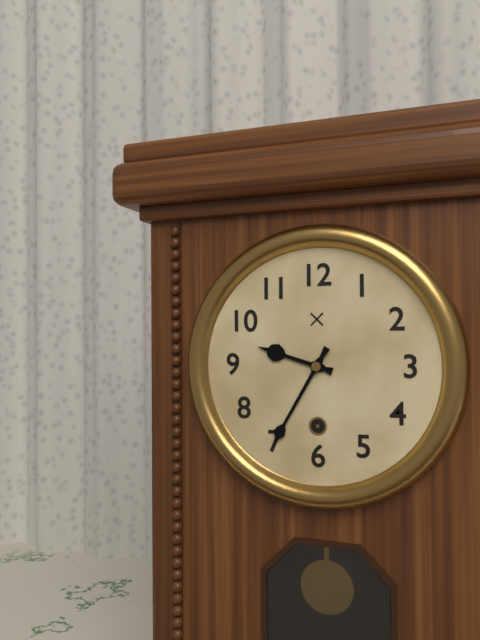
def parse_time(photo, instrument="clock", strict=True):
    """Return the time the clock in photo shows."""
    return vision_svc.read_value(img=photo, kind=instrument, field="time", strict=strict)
9:35
